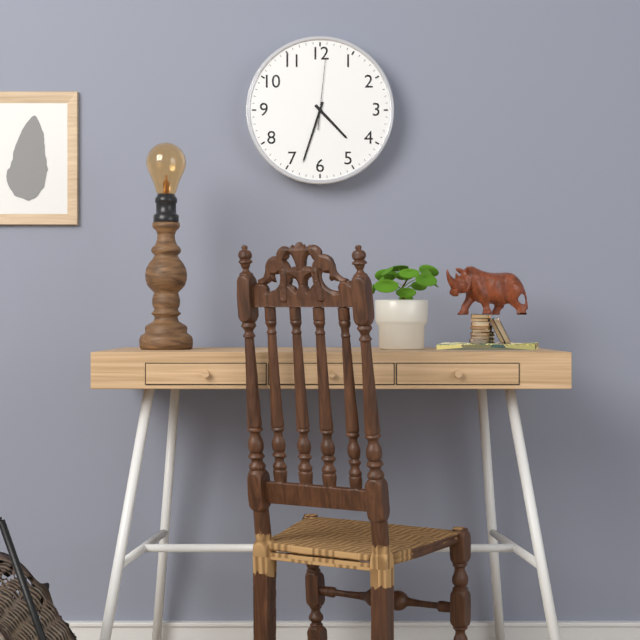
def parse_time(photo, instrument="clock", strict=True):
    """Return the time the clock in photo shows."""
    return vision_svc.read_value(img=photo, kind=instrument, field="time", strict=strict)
4:33:01
